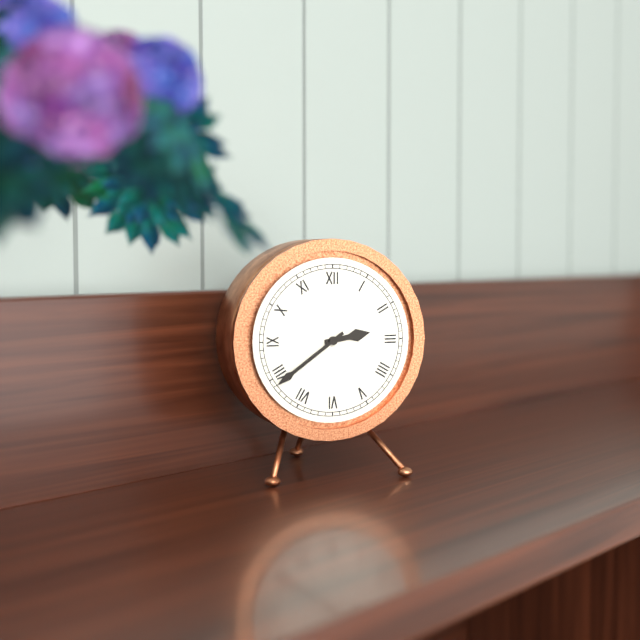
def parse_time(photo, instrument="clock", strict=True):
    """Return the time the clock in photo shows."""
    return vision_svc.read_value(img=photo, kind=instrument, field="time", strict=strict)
2:39
